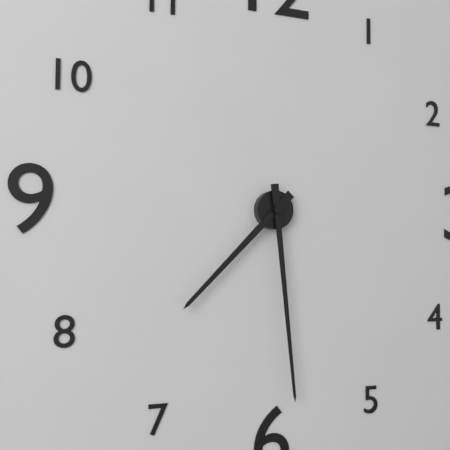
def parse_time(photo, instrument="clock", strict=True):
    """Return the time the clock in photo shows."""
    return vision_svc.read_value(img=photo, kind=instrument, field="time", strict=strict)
7:29
